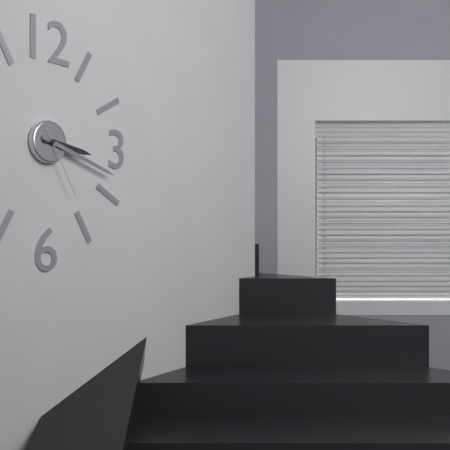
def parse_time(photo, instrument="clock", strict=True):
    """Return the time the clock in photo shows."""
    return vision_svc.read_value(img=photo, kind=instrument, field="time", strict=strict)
3:18:25
